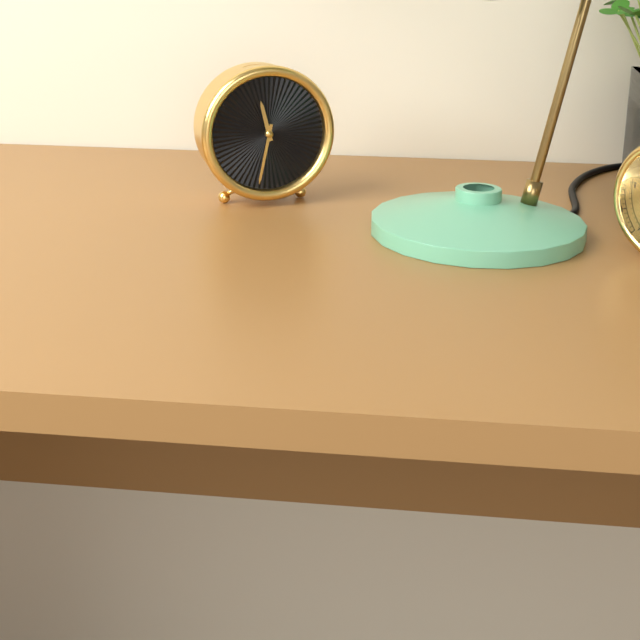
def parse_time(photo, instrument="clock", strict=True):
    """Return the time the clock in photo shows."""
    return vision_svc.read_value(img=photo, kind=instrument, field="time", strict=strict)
11:32
